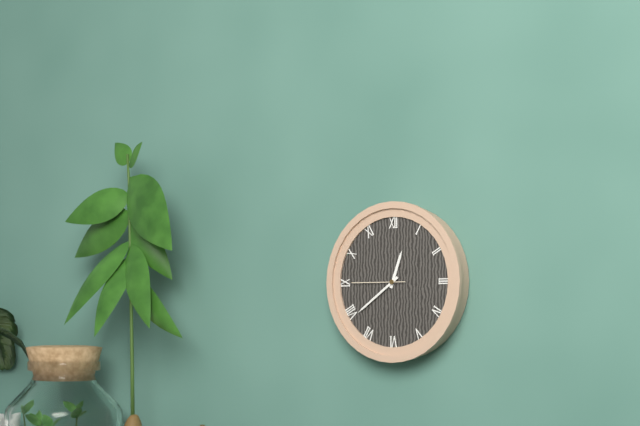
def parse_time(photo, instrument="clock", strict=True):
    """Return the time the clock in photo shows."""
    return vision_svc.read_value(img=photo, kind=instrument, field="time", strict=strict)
12:39:45
